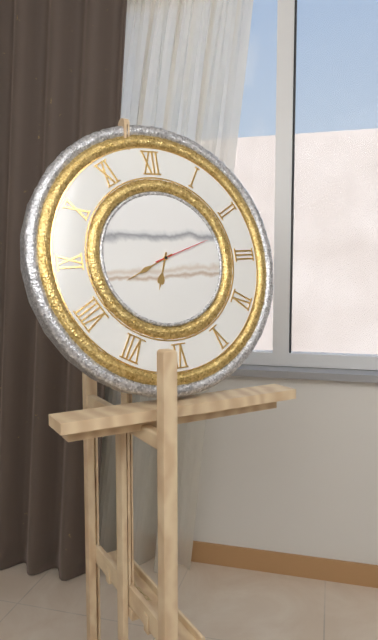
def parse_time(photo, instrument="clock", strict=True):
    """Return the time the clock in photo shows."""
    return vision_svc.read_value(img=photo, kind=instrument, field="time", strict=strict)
6:41:12
